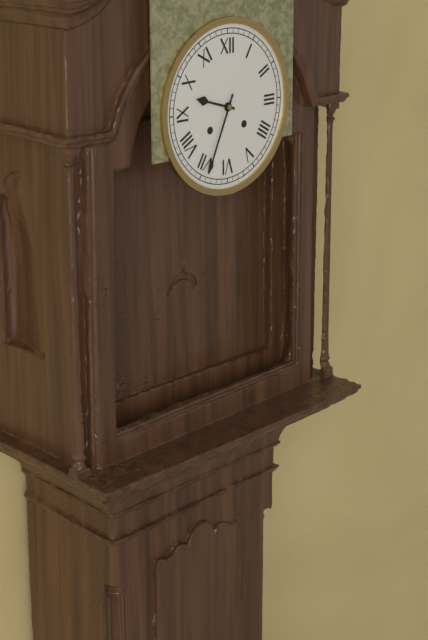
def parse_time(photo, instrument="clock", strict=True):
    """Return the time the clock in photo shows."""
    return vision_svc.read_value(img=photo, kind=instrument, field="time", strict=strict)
9:34
